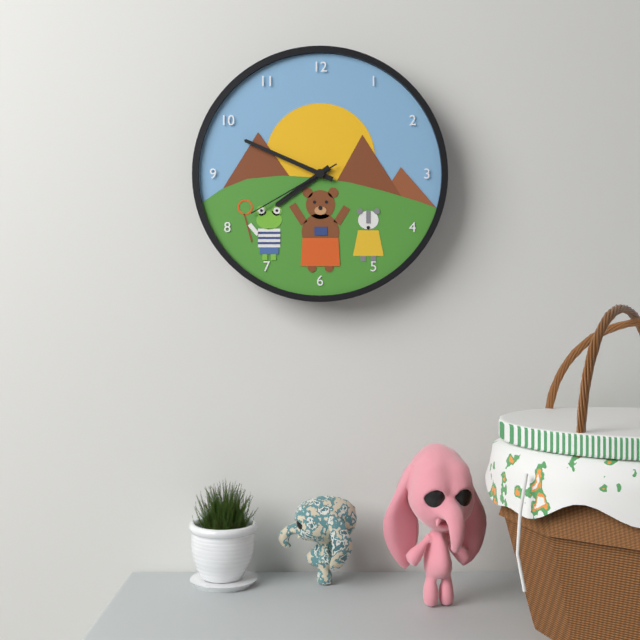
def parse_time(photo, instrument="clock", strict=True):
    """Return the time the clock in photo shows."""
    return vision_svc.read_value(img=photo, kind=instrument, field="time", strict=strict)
7:49:40
